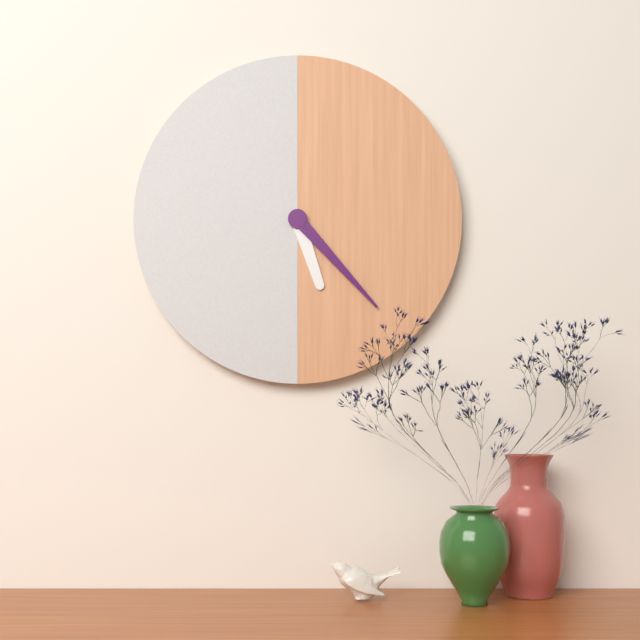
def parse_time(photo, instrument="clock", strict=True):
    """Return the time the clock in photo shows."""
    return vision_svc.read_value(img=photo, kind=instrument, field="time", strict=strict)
5:23
